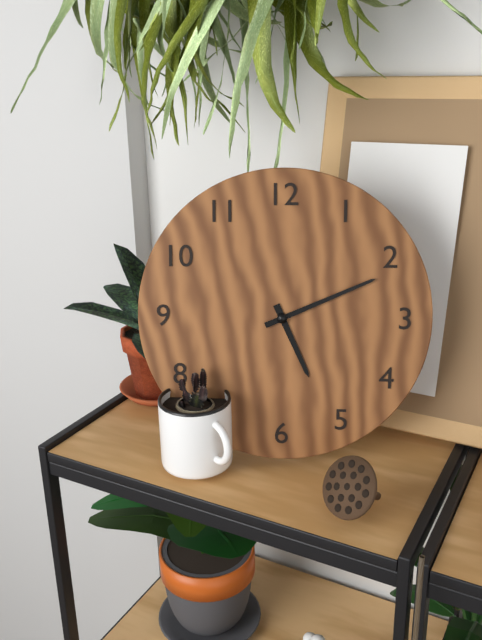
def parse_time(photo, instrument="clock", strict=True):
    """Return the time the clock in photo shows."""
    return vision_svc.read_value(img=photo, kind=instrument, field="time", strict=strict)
5:11
